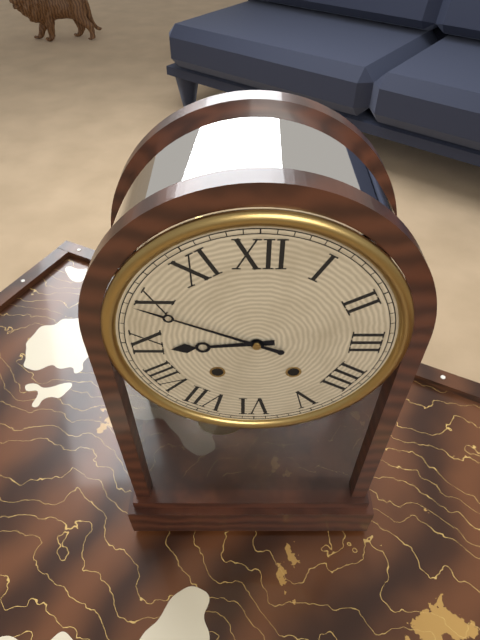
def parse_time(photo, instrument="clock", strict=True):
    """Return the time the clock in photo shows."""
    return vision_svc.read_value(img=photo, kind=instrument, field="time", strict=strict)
8:49
